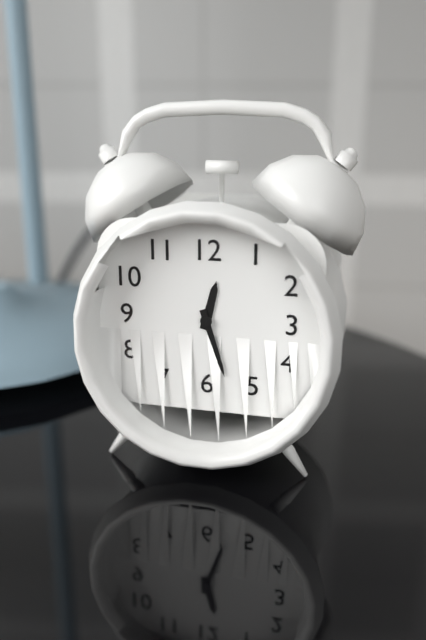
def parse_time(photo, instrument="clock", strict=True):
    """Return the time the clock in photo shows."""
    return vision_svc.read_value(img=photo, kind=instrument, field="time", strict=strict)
12:27
